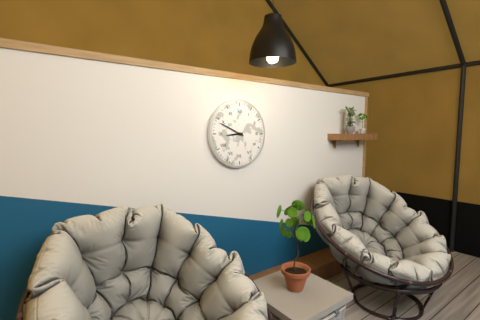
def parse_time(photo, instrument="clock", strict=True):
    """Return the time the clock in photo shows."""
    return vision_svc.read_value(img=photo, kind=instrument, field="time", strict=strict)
8:49
